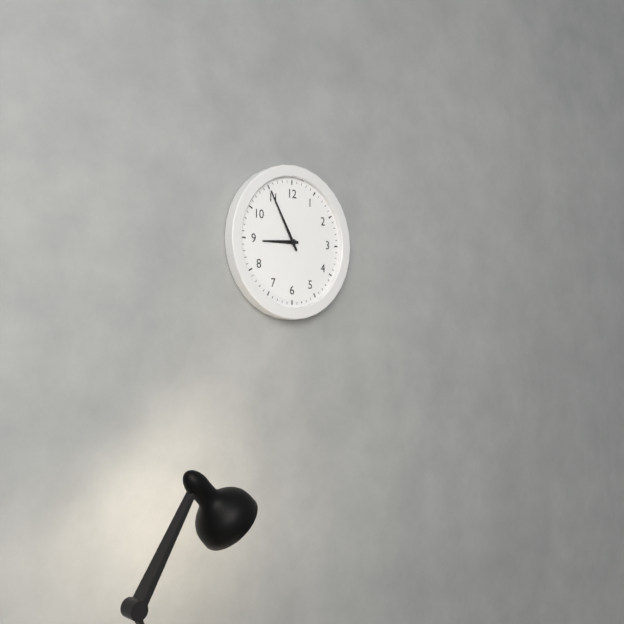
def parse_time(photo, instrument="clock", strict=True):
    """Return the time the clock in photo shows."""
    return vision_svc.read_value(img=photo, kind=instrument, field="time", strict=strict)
8:55
